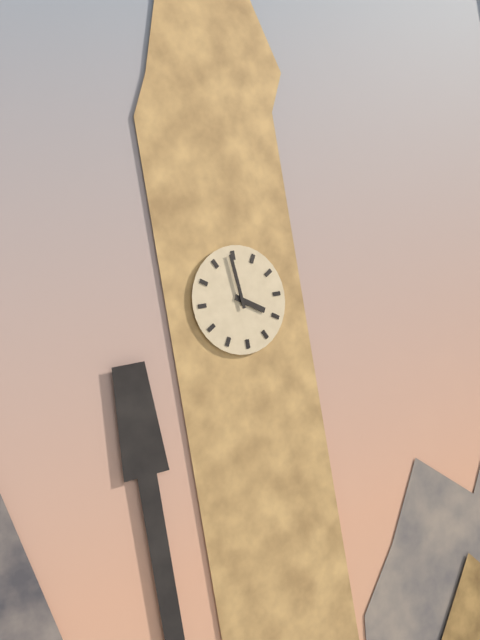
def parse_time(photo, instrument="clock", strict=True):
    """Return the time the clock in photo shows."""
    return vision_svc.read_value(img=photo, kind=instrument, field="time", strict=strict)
3:59
